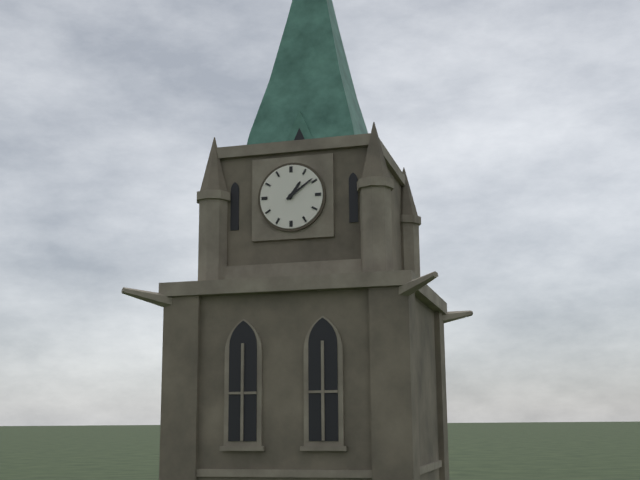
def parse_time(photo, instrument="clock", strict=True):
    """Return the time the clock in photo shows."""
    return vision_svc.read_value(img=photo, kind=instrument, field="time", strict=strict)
1:09
